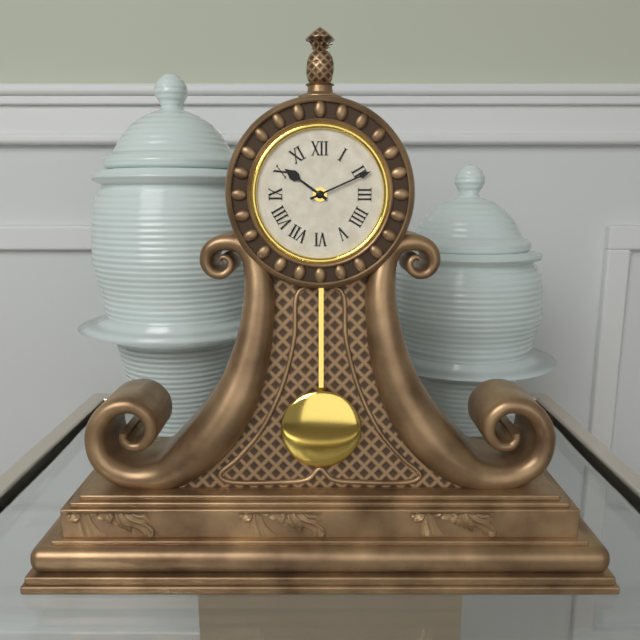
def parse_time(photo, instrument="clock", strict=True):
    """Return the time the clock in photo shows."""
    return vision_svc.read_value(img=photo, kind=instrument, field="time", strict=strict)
10:11
